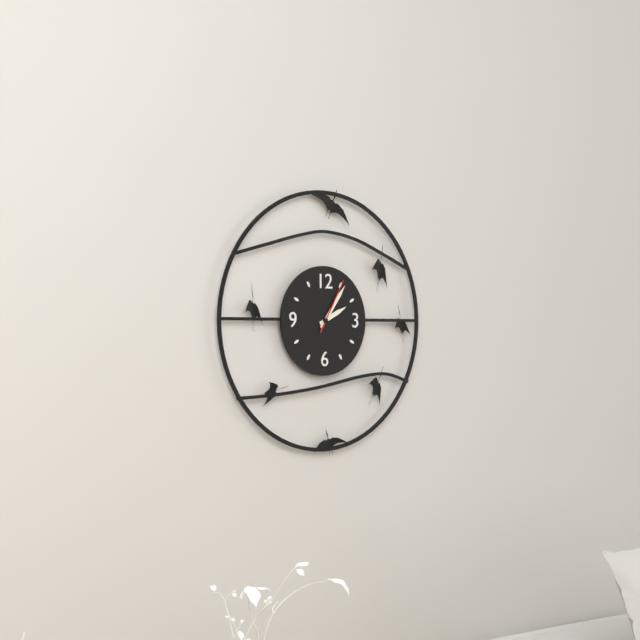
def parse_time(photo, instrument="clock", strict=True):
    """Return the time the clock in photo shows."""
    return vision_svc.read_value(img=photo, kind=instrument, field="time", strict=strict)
2:06:05
